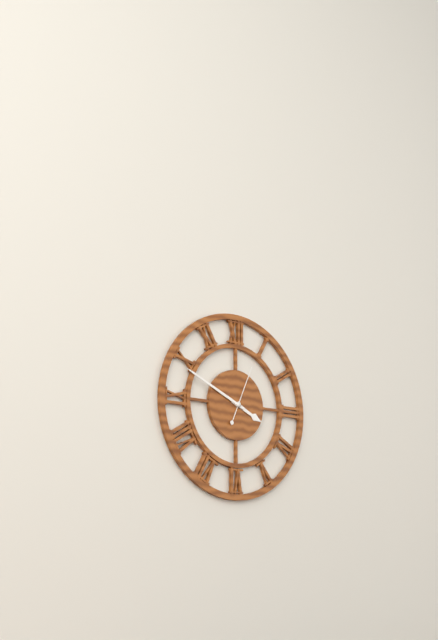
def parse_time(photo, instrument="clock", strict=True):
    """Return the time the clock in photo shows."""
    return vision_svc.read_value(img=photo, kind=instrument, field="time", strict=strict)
3:49:04
